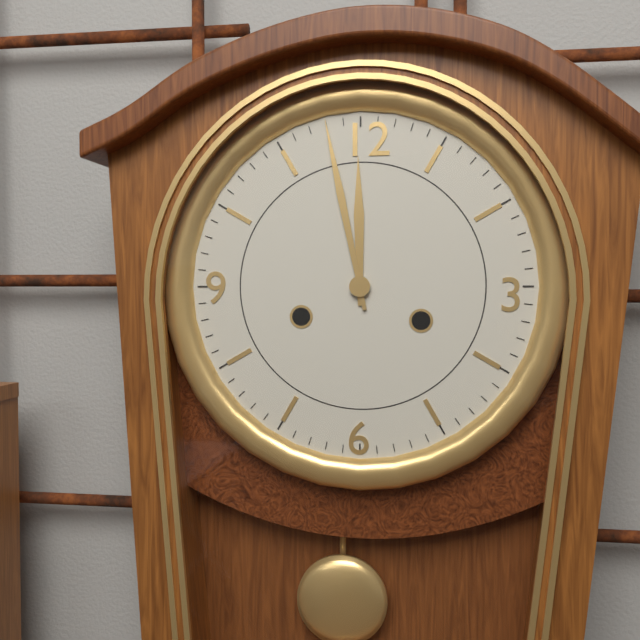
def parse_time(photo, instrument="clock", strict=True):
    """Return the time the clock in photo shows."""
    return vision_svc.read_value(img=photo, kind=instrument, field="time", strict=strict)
11:58
